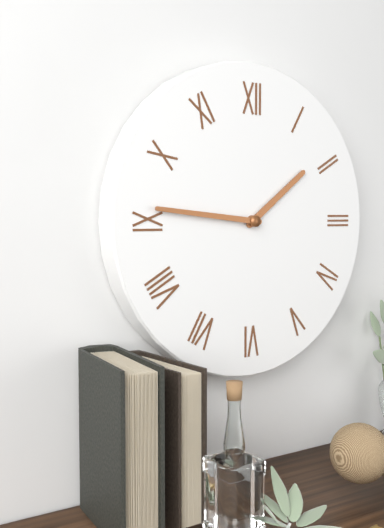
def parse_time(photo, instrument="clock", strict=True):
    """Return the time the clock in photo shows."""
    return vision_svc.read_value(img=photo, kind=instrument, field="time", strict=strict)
1:46
